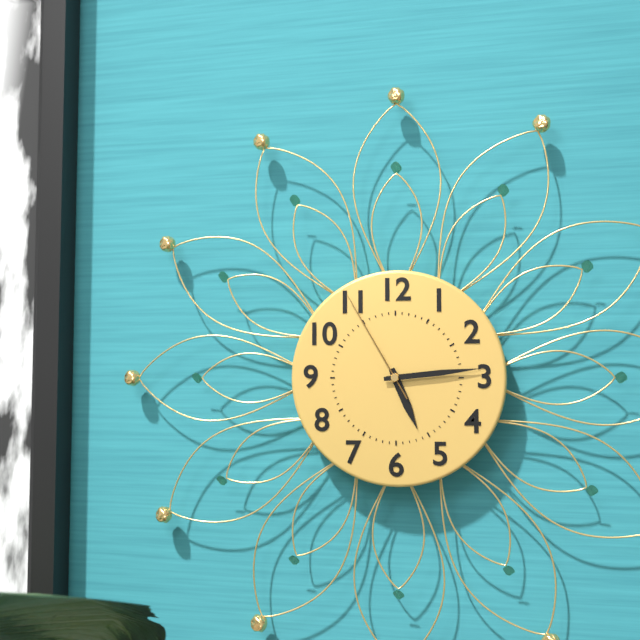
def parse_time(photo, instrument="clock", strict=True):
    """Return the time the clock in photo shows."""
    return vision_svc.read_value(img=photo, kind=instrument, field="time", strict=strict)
5:14:55
